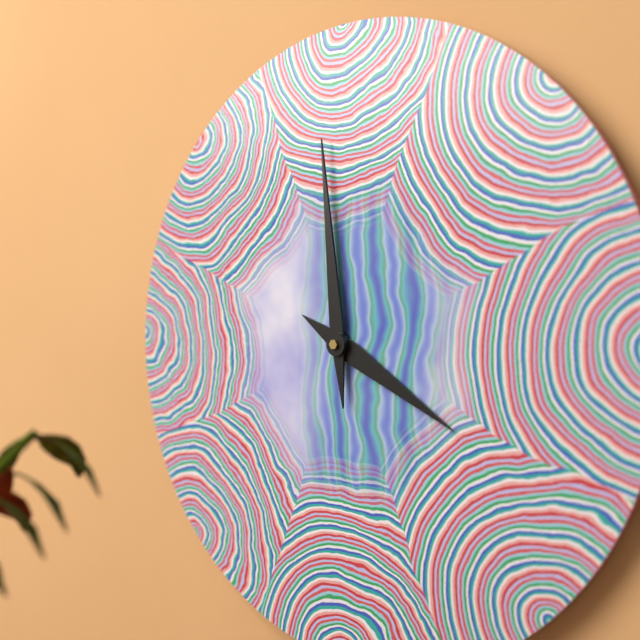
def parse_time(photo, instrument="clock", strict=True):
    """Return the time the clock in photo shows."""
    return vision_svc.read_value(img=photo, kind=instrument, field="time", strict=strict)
3:59
